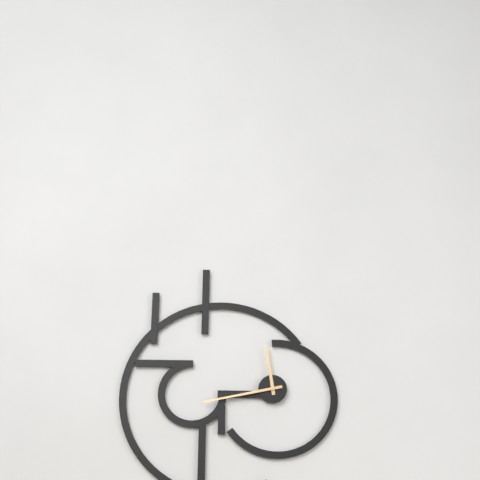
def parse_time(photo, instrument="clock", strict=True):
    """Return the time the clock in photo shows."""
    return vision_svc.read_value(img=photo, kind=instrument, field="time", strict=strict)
11:43
